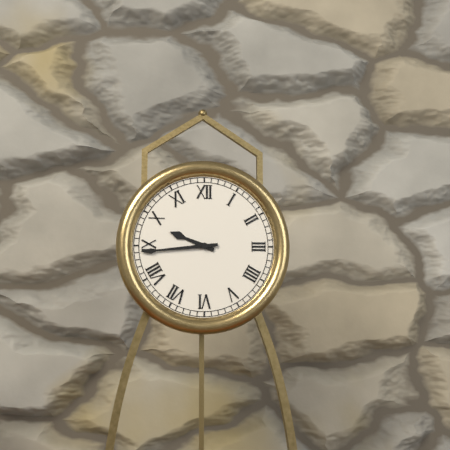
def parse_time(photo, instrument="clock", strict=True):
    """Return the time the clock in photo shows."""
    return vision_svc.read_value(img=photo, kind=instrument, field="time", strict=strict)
9:44
